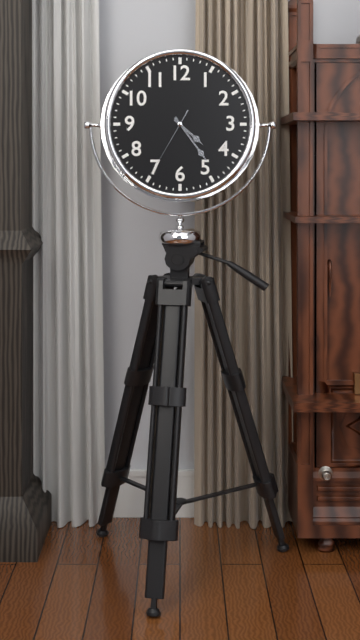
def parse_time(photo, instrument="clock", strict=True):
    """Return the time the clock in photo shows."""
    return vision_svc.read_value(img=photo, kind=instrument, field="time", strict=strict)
4:24:35
